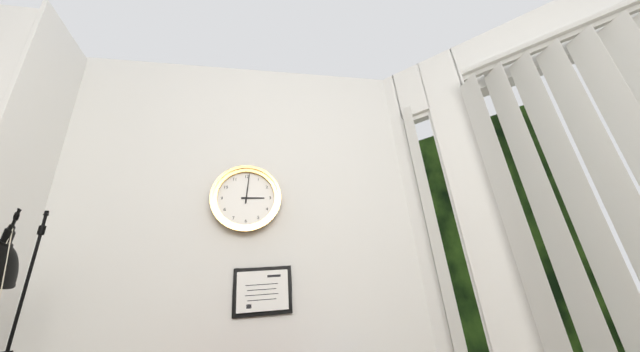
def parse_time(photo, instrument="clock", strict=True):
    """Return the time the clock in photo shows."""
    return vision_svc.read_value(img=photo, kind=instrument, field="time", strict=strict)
3:01
